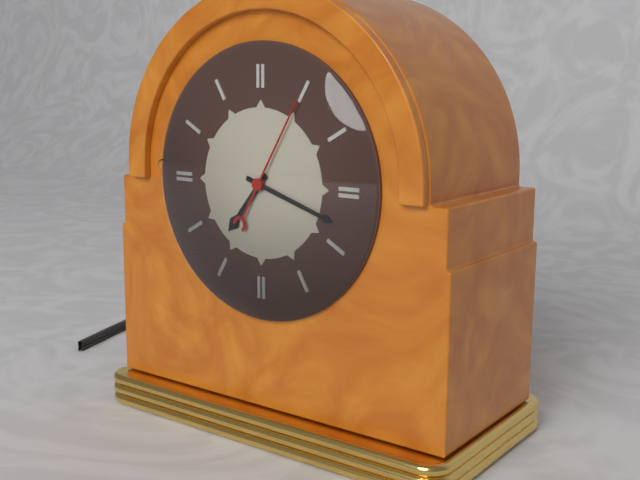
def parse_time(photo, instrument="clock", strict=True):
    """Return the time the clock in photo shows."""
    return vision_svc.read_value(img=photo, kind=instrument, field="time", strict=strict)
7:18:05
